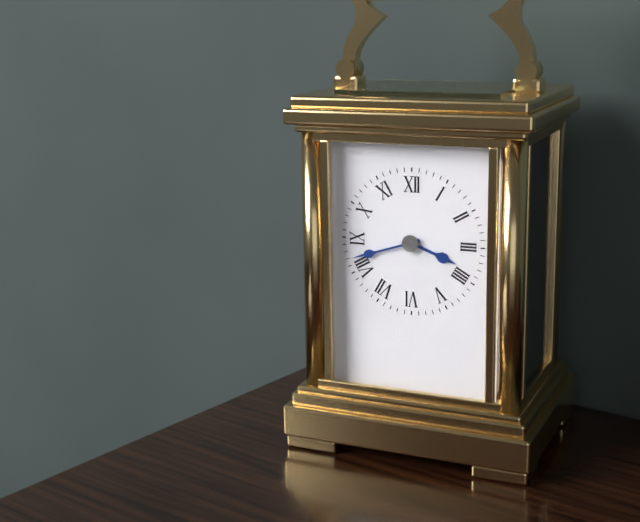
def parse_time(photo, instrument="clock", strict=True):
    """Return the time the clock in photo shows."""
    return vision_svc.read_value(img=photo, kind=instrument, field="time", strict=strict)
3:42
